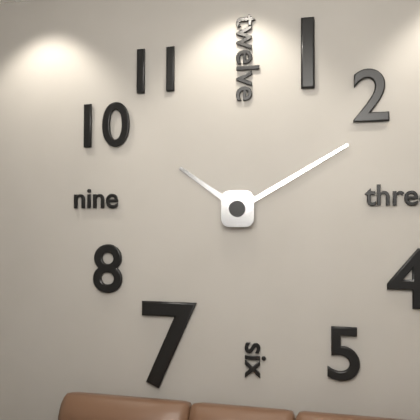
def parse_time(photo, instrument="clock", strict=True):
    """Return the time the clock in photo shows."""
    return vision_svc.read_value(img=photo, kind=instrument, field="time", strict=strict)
10:10
